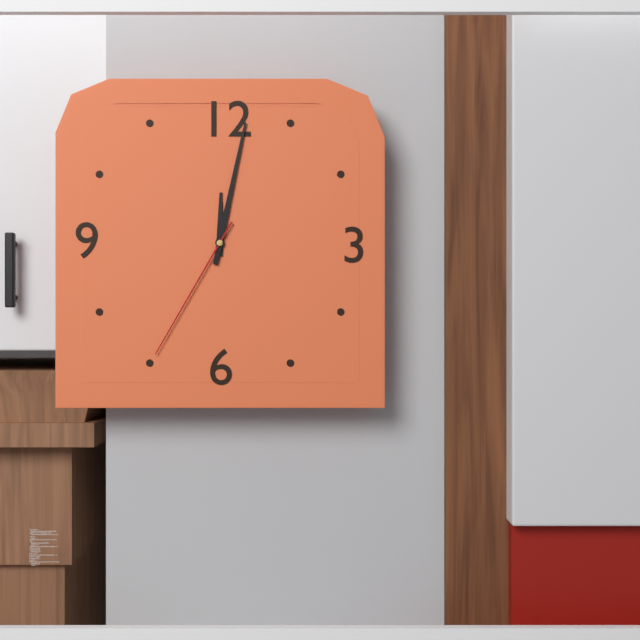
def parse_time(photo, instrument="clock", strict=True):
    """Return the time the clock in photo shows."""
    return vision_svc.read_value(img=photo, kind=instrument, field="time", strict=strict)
12:02:35
